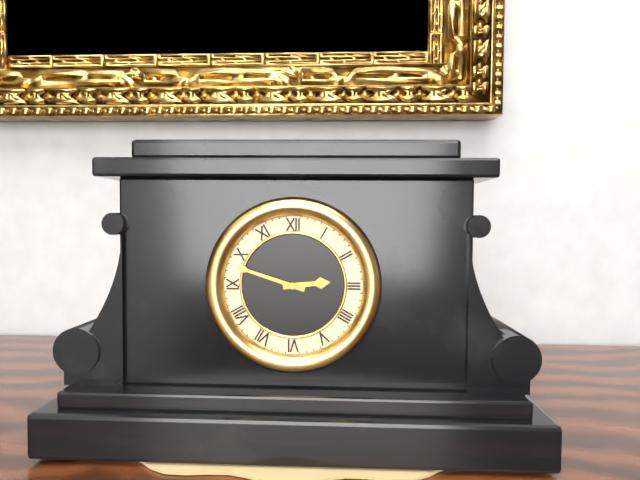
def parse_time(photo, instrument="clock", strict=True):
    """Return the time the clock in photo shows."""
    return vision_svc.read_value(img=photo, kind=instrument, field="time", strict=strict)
2:48
